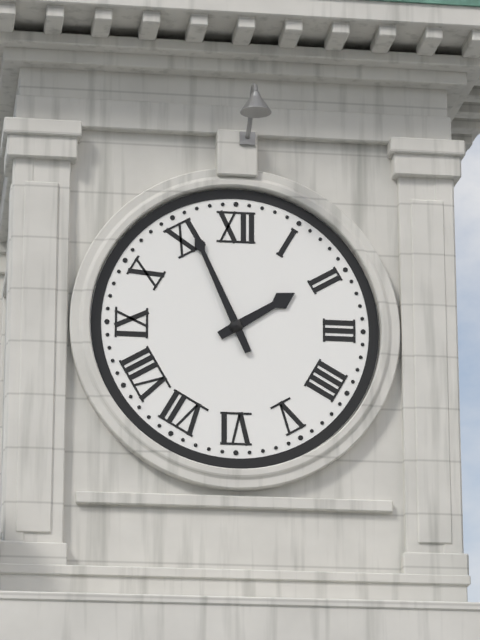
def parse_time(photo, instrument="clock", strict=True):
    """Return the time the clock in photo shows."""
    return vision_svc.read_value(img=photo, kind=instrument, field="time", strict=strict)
1:56
